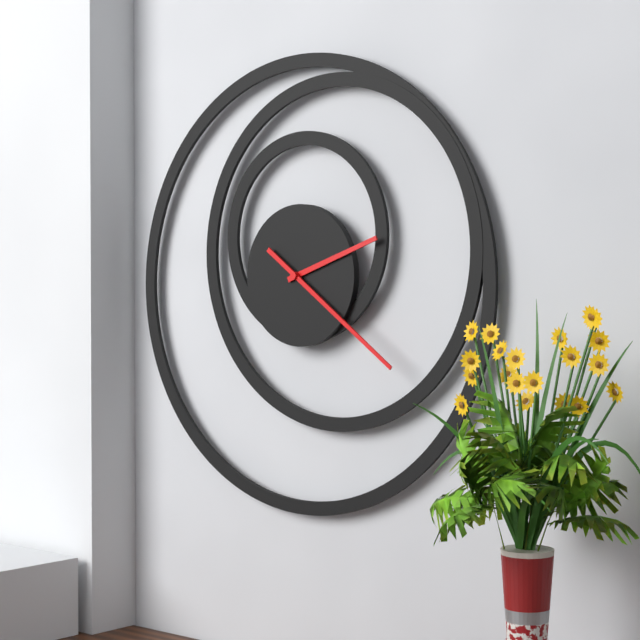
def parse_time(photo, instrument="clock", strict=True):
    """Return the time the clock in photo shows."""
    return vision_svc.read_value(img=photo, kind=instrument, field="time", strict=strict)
2:21
